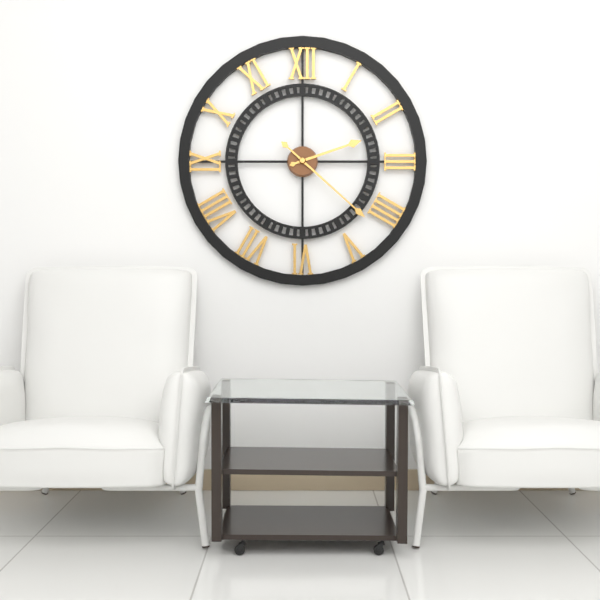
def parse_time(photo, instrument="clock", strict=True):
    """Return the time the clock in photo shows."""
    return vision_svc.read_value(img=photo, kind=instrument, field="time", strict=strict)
2:22
